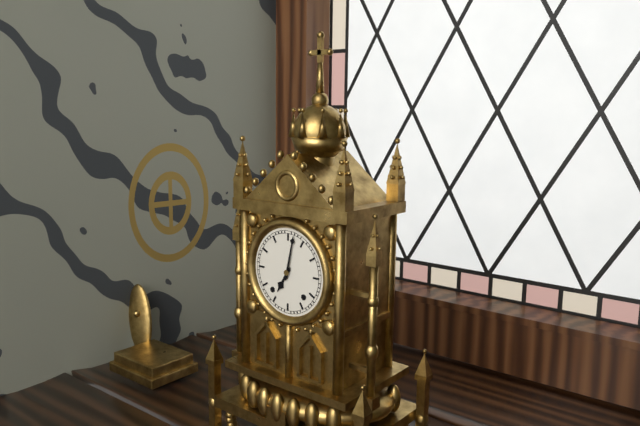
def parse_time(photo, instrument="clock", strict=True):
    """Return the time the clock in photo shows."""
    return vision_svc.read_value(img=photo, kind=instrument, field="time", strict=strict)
7:02
